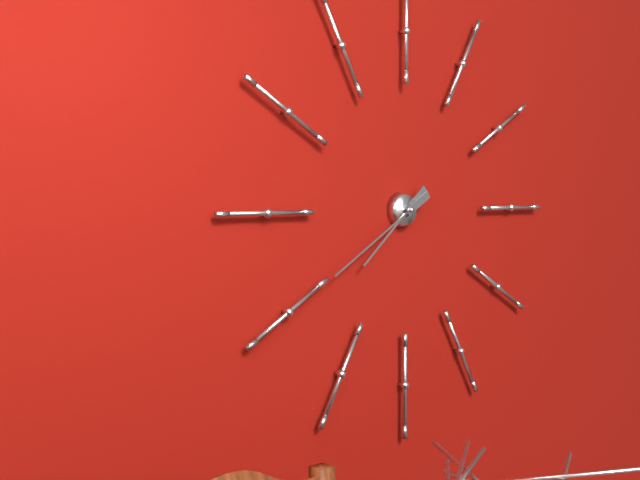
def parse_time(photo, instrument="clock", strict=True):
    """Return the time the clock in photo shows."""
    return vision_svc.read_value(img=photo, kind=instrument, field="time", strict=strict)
7:40
